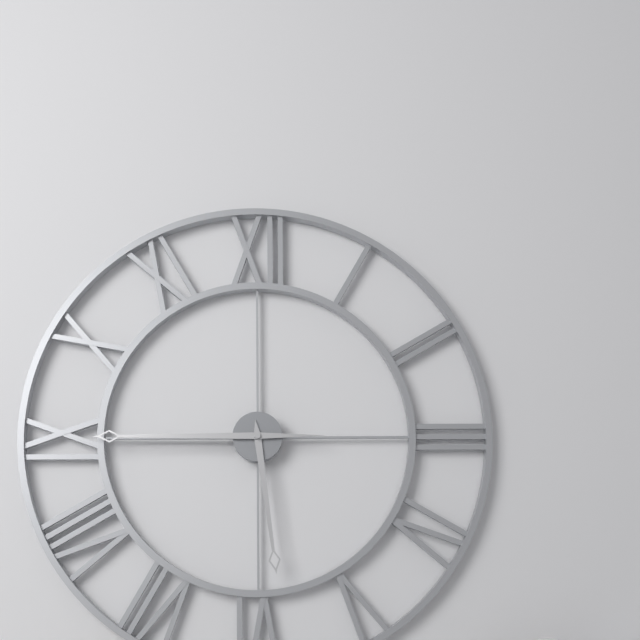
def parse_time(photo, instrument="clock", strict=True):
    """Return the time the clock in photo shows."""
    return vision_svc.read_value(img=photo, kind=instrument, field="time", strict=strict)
5:45
